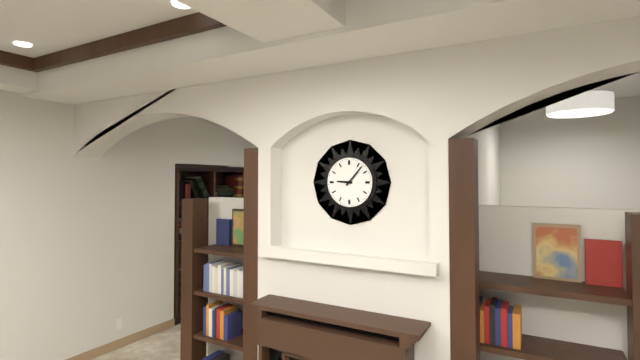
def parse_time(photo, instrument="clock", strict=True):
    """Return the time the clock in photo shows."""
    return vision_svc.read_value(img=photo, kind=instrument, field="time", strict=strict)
9:07
